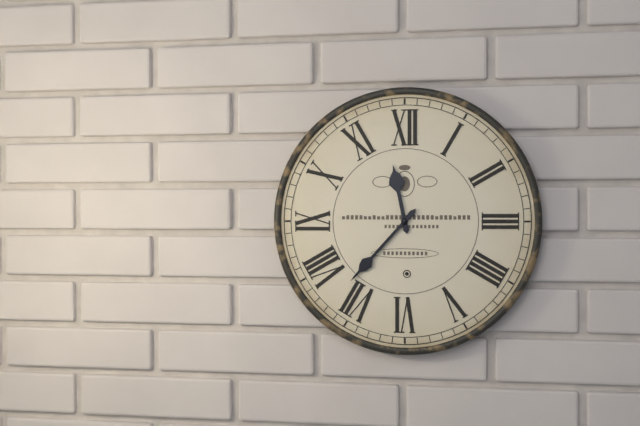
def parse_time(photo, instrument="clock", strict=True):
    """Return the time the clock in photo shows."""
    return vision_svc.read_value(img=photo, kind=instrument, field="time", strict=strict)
11:37
